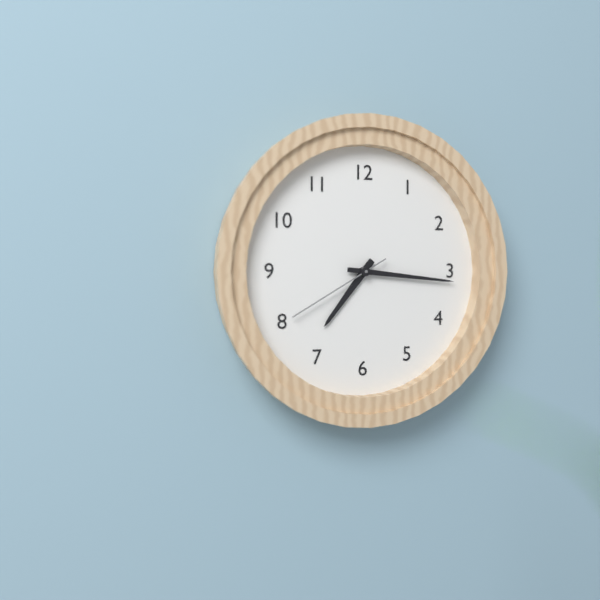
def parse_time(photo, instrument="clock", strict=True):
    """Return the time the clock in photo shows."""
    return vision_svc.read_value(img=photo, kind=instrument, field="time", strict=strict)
7:16:40
